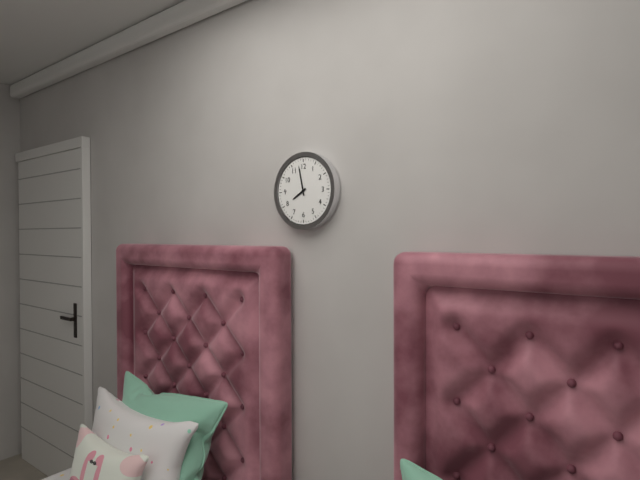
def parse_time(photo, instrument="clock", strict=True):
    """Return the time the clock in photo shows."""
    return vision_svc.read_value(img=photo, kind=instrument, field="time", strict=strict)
7:58
